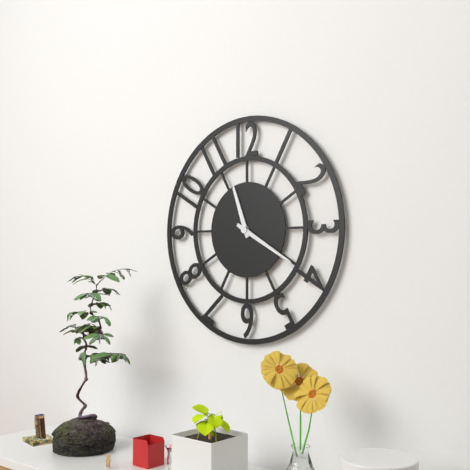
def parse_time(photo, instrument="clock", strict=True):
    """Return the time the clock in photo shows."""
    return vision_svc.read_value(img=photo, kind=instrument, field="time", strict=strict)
11:20
